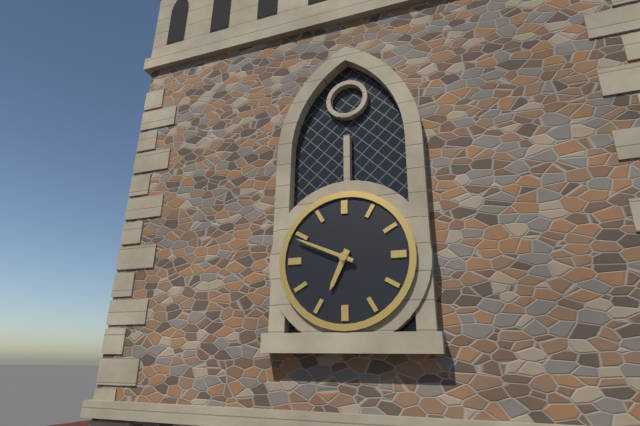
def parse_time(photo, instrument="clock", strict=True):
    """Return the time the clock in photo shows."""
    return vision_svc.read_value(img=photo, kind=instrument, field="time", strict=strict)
6:49
